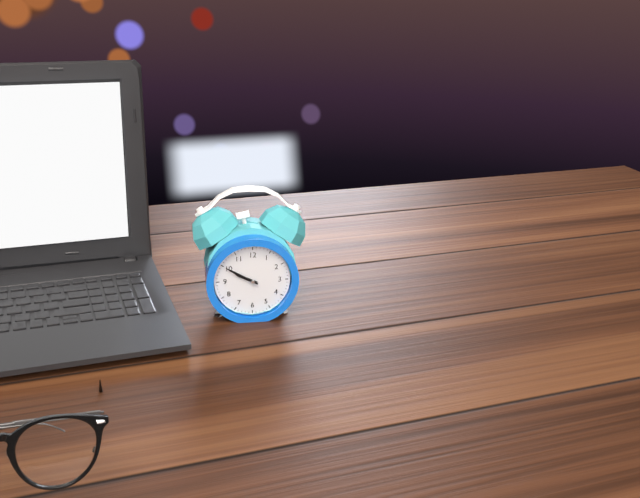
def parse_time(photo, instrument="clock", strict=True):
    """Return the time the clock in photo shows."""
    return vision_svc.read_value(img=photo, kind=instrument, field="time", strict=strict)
9:50
